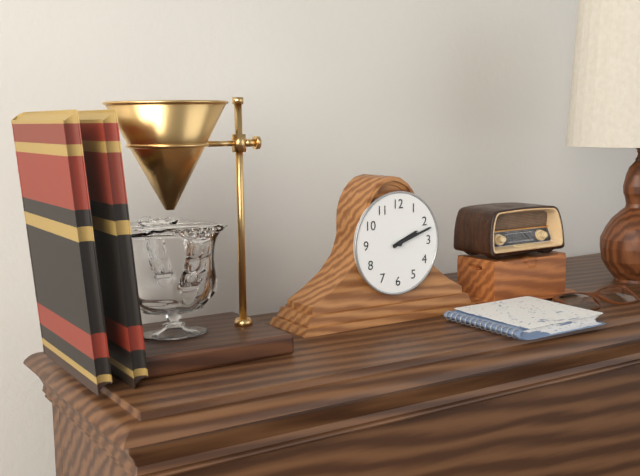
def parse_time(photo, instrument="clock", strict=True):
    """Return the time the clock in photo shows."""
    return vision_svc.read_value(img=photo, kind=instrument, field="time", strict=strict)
2:12
